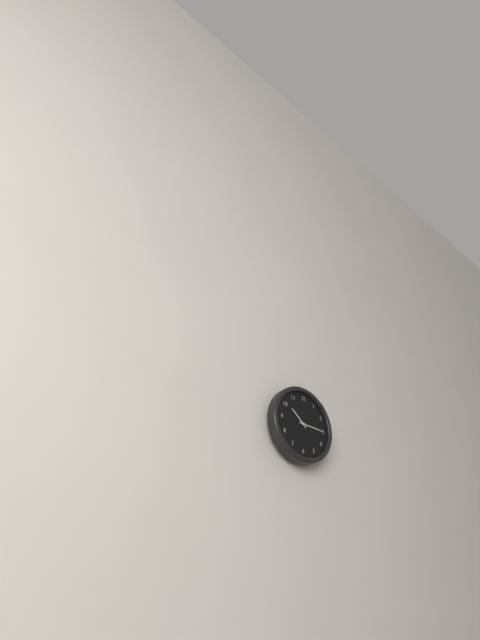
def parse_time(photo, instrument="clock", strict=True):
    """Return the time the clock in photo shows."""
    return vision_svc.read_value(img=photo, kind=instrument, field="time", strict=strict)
10:15
